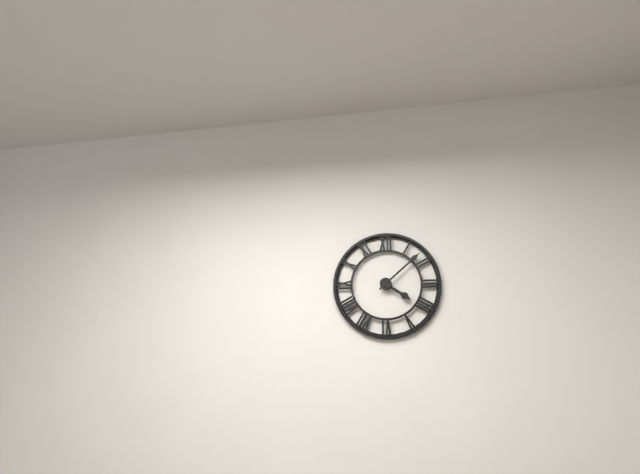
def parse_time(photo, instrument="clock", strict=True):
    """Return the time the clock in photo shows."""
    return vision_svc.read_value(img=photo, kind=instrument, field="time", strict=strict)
4:08
